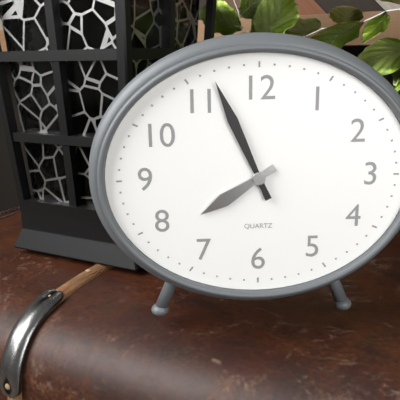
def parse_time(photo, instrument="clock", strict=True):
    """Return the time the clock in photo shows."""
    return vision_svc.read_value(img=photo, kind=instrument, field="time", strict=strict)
7:56
